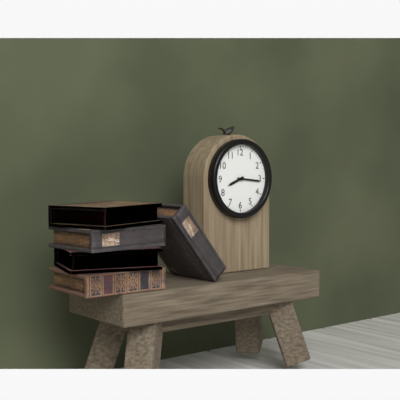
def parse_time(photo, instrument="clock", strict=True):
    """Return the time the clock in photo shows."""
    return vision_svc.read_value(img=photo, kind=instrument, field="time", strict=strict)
8:16
